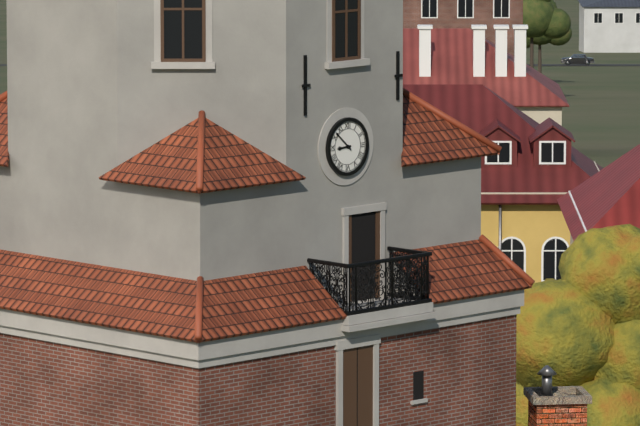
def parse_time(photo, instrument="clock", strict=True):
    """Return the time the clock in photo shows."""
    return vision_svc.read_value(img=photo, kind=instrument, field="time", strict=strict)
8:52
